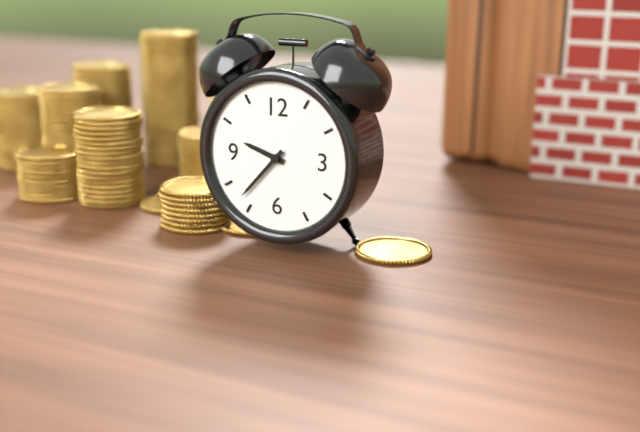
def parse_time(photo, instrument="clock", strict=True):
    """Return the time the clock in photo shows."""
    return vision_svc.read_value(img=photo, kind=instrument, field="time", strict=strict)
9:37
